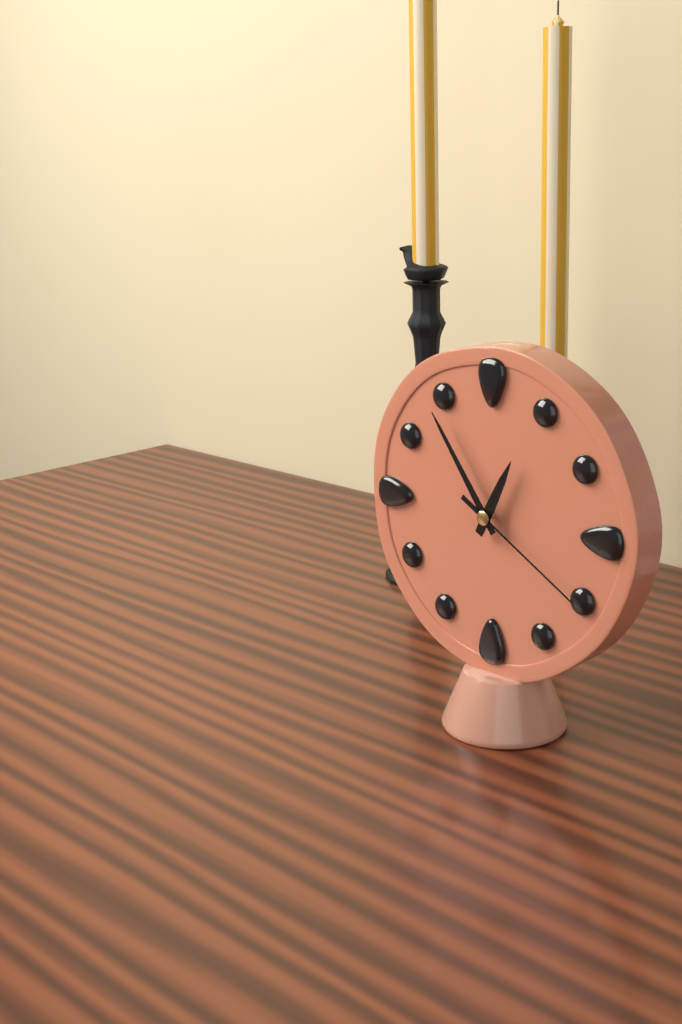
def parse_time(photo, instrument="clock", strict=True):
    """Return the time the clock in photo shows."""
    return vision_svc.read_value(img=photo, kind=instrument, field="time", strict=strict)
12:54:20
